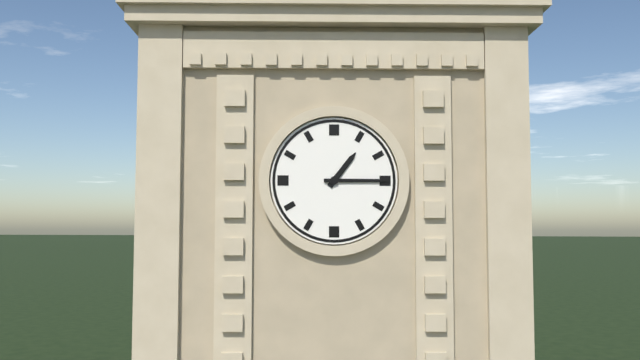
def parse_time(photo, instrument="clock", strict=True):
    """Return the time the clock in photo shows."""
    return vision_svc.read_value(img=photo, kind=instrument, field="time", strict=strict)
1:15
